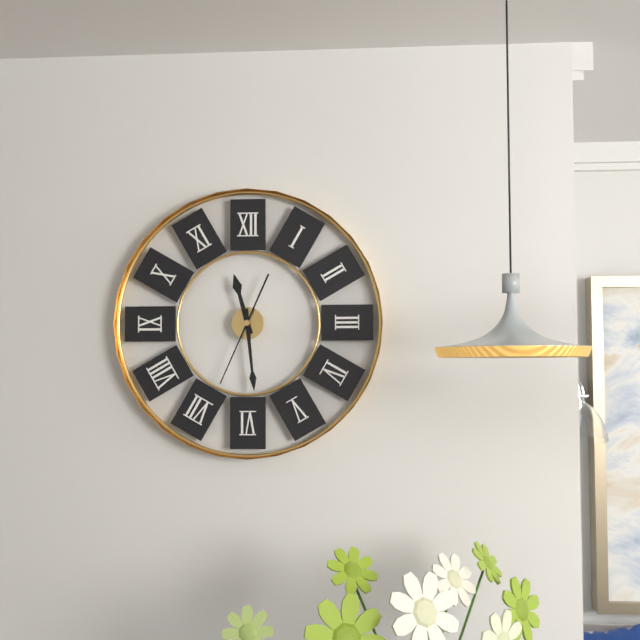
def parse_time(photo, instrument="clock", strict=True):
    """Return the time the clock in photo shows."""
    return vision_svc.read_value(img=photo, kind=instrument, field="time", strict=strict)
11:29:34
